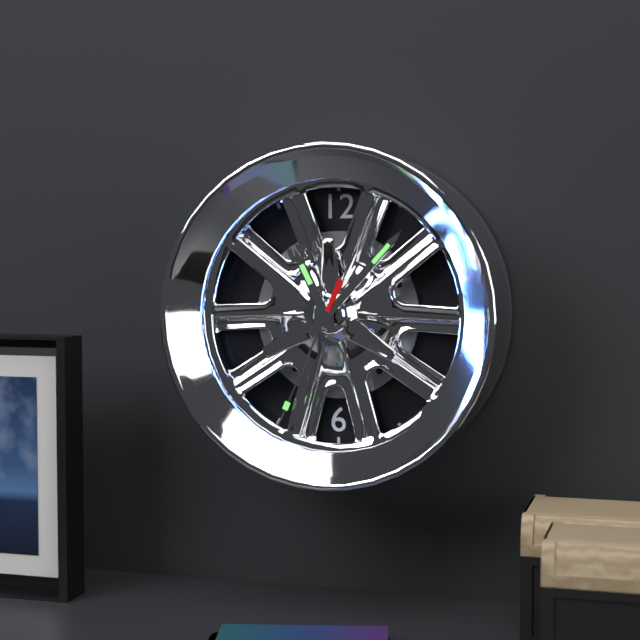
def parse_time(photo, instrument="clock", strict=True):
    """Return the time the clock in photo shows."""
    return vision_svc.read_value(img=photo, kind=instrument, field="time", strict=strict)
11:07:34
